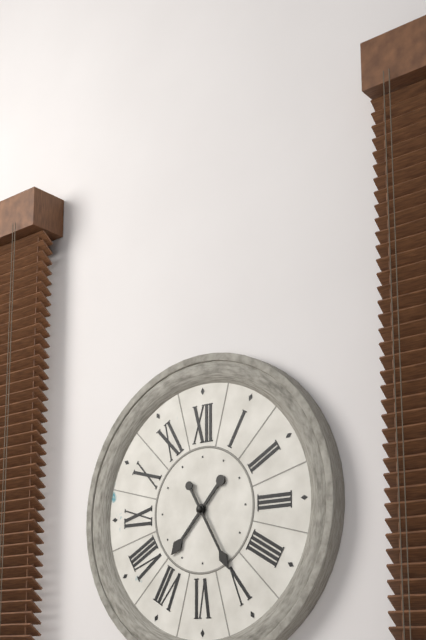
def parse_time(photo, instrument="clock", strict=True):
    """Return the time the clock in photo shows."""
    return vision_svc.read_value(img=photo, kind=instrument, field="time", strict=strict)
7:25
